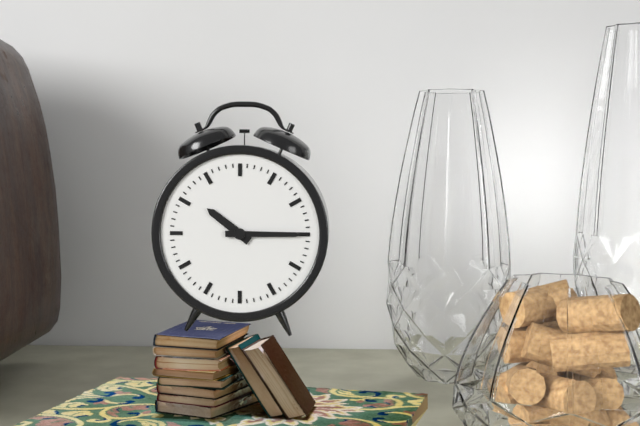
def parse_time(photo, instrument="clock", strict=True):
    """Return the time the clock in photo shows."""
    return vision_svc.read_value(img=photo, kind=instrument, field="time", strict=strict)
10:15
